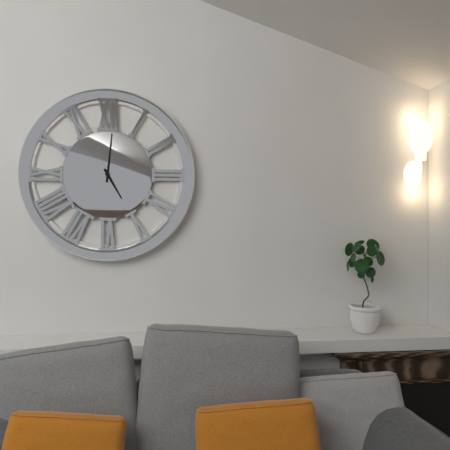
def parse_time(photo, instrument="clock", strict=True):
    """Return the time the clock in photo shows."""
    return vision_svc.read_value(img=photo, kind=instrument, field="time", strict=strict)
5:01
